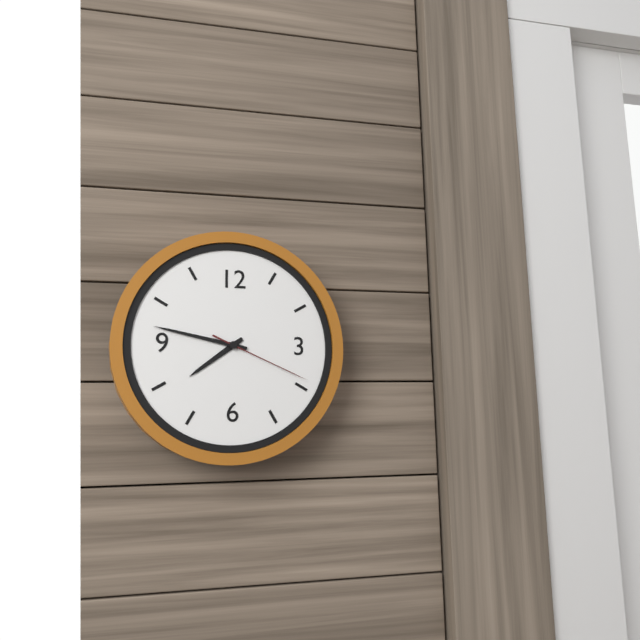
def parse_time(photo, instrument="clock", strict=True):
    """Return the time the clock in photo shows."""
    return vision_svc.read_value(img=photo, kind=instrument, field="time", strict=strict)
7:47:19
